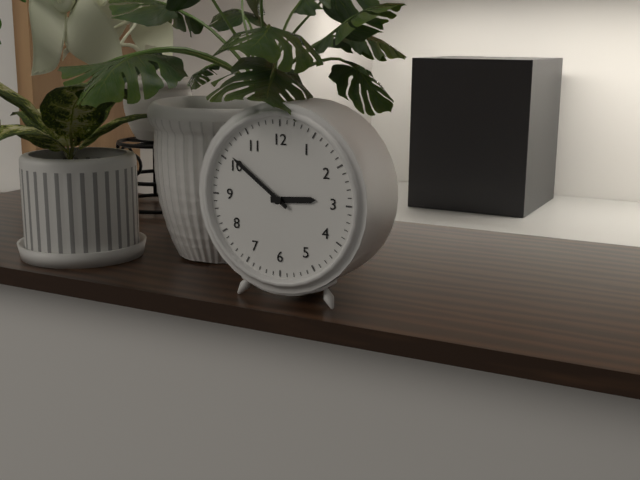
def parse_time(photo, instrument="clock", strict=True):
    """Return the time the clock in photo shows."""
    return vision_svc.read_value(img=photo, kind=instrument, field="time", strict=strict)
2:51
